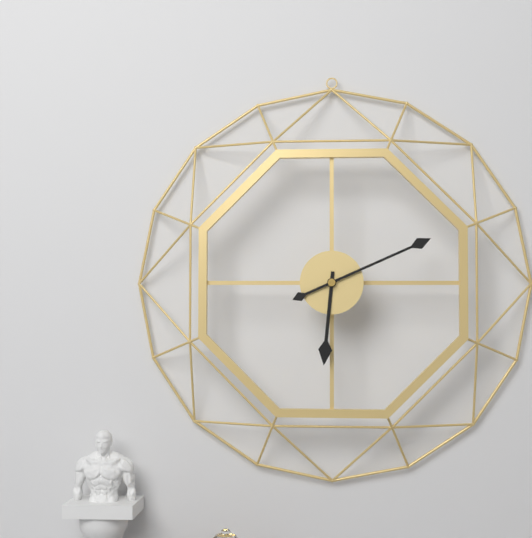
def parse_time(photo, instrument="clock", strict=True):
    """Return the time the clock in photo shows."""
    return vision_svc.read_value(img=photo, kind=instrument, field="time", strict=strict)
6:11
